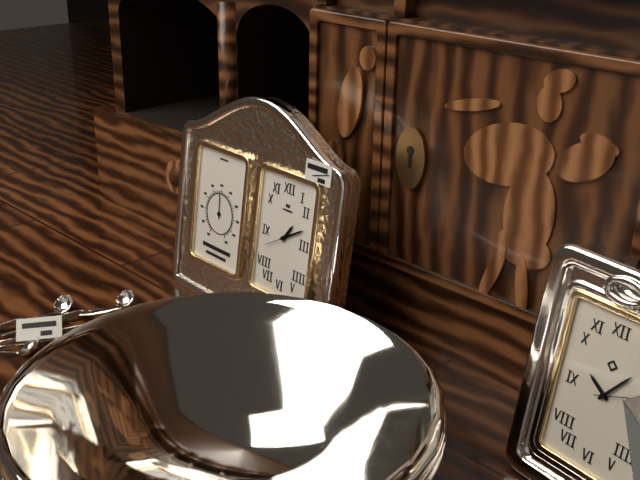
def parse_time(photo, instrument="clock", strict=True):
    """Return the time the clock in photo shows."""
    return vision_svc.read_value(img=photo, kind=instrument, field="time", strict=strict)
1:10
